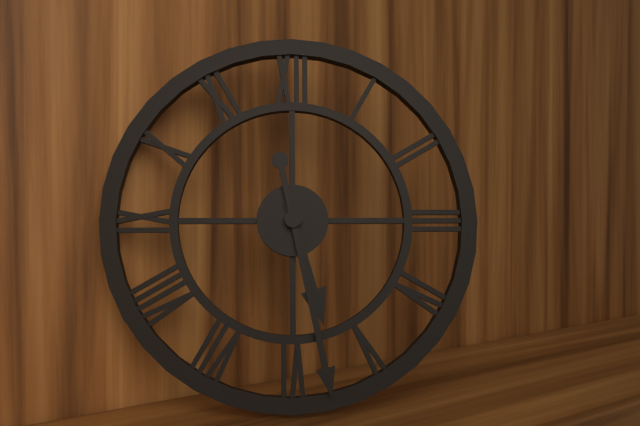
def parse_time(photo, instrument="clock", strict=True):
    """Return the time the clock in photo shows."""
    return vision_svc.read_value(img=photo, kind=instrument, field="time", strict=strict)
5:28
